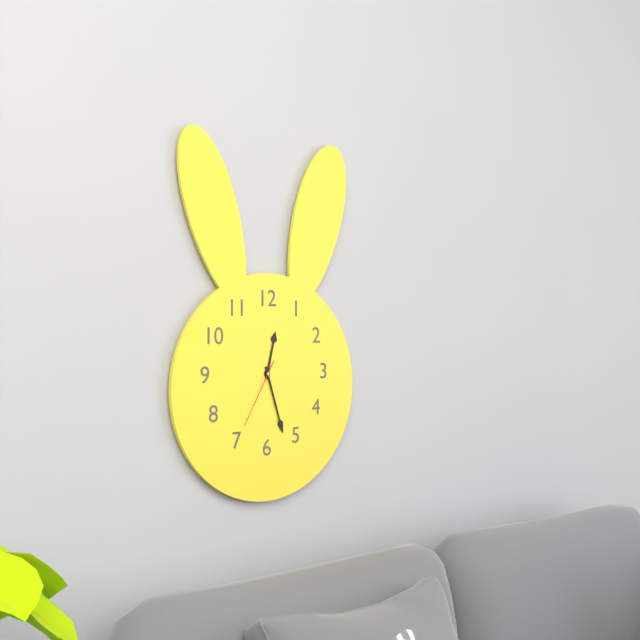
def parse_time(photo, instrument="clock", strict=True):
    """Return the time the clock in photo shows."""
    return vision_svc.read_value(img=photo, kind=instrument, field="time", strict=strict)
12:27:35
